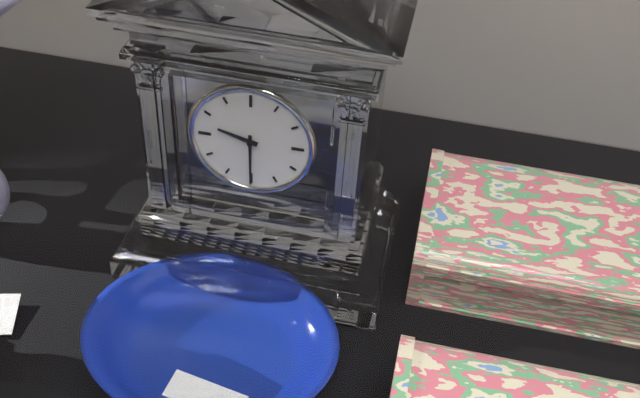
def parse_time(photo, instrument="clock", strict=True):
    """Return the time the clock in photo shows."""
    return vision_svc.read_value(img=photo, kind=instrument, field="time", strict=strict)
9:30
